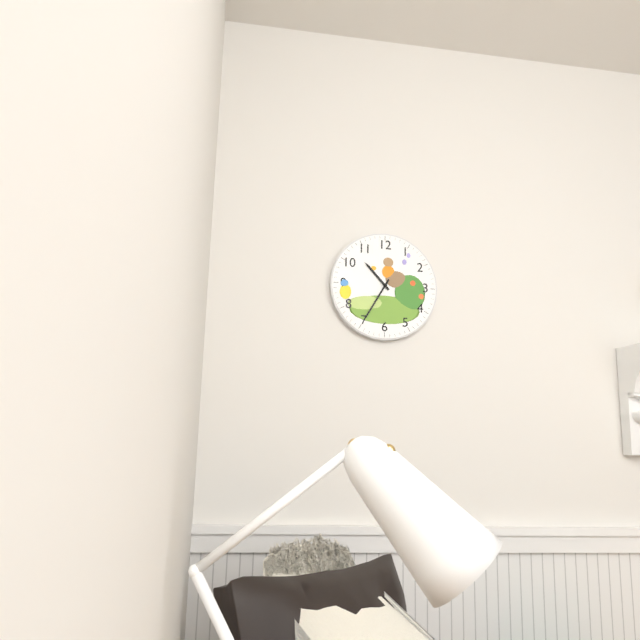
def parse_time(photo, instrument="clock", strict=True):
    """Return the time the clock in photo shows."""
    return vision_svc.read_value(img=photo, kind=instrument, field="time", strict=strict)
10:35
